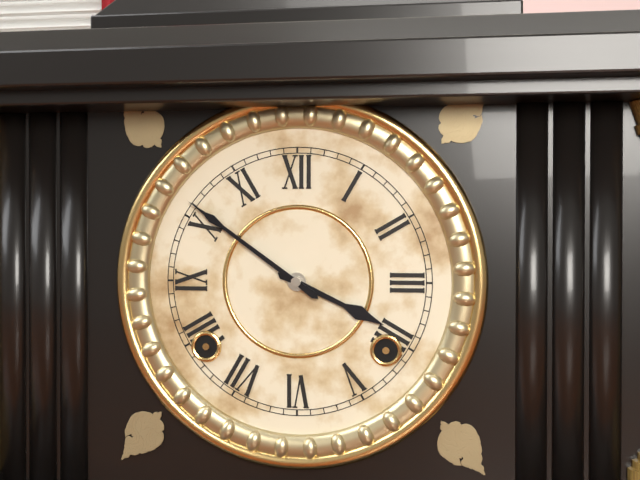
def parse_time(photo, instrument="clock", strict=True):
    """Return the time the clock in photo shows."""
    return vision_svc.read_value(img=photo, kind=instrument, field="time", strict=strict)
3:51
